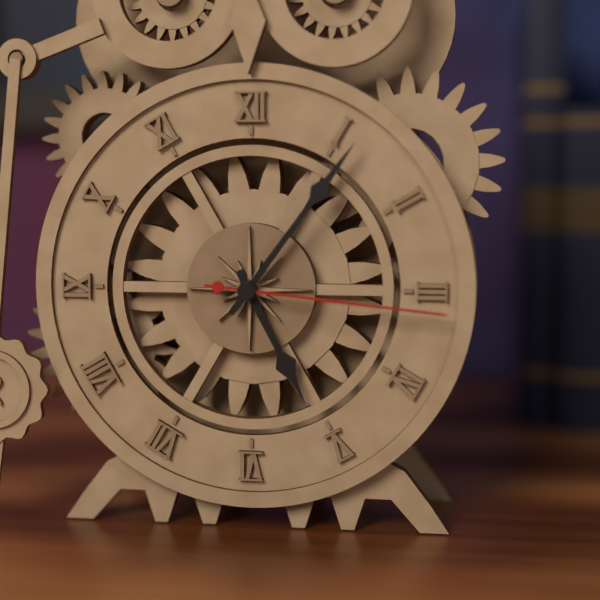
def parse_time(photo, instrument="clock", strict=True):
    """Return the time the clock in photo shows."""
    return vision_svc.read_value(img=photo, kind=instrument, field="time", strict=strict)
5:06:16
